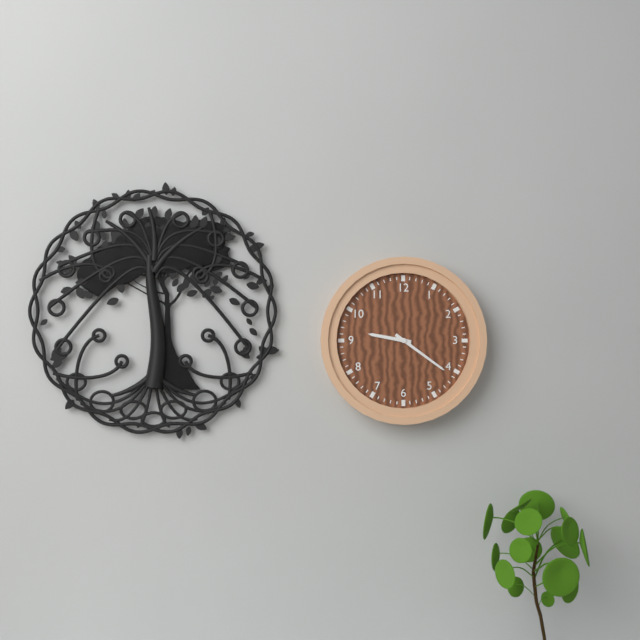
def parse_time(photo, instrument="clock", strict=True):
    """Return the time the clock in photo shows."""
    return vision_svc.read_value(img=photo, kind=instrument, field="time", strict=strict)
9:21
